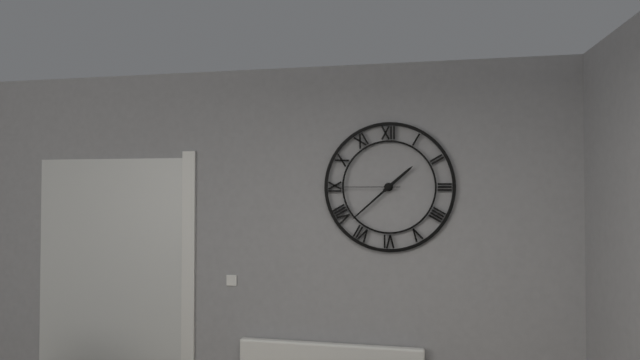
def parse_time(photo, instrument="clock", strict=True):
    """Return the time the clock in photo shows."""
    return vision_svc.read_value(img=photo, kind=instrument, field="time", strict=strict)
1:38:45
